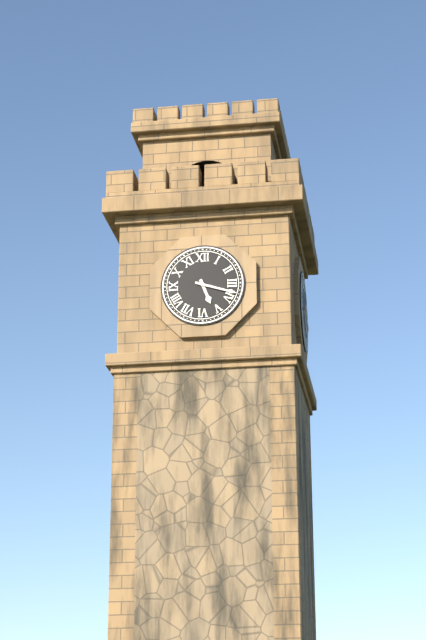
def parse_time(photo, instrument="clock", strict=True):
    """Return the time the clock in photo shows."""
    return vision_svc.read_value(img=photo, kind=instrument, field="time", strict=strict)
5:18
